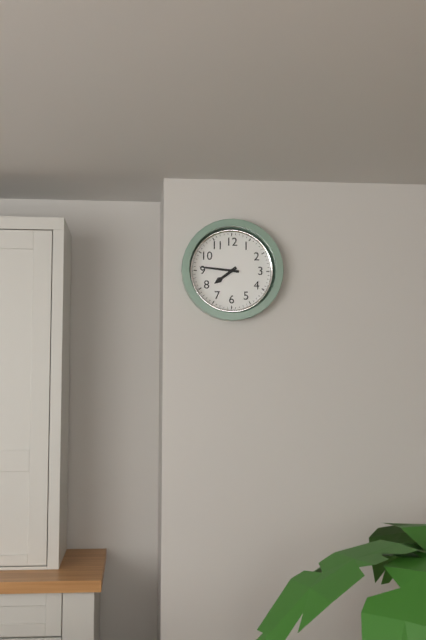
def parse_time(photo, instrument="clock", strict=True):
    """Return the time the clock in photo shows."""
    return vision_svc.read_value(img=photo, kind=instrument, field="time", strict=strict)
7:46
